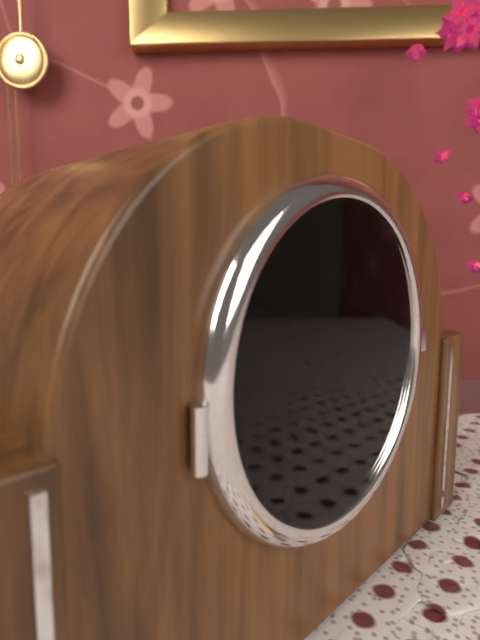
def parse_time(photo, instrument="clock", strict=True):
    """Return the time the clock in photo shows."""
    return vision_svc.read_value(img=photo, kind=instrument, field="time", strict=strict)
12:29
